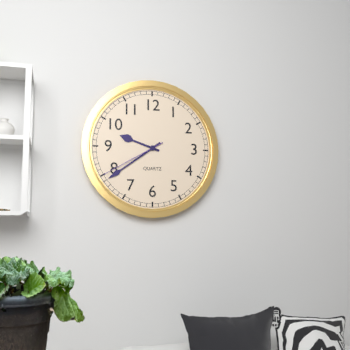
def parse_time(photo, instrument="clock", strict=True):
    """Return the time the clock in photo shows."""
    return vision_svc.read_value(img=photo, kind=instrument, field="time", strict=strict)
9:39:40
